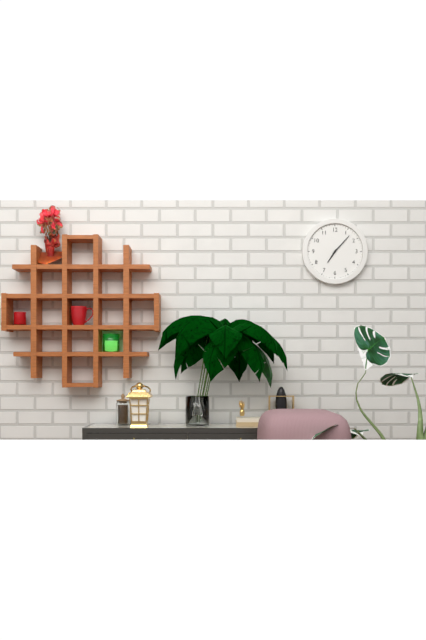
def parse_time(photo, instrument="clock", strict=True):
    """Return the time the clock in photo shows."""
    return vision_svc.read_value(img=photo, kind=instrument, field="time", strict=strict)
7:07
